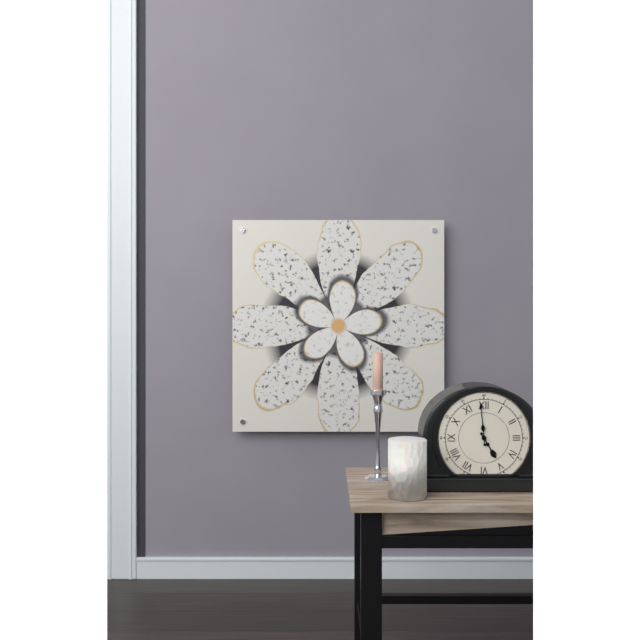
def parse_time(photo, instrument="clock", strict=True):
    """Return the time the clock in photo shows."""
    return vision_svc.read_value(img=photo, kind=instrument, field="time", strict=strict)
4:59
